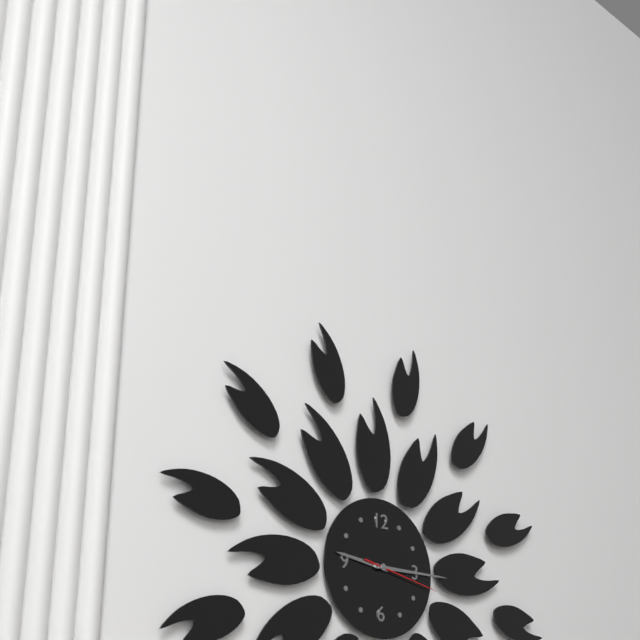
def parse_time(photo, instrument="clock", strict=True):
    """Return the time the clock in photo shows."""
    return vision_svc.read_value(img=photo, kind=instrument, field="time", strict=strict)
9:15:17
